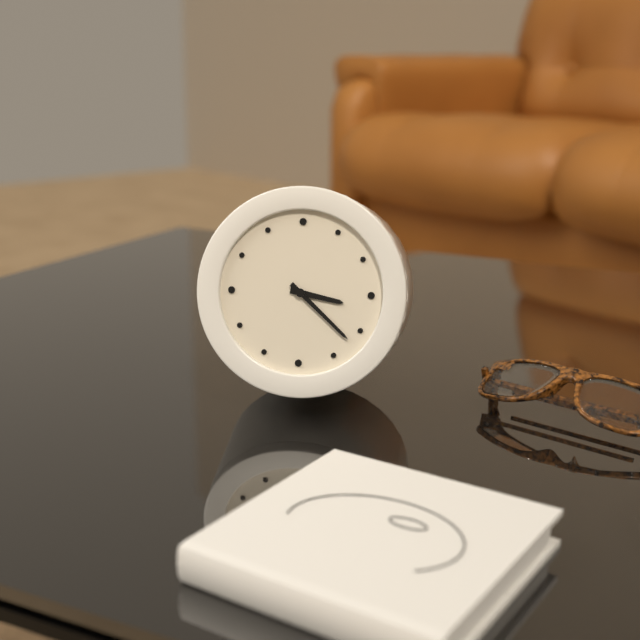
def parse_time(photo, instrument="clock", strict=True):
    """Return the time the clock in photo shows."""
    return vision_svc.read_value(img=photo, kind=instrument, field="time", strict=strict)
3:22
